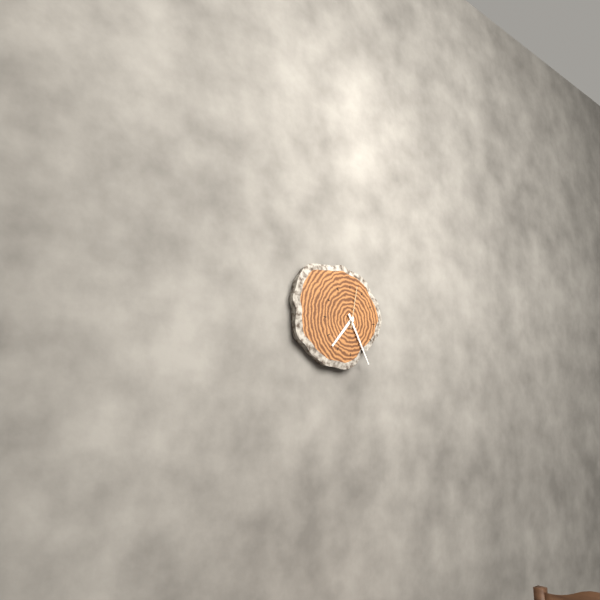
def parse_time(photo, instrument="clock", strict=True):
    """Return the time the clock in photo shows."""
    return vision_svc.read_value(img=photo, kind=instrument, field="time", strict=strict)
7:25
